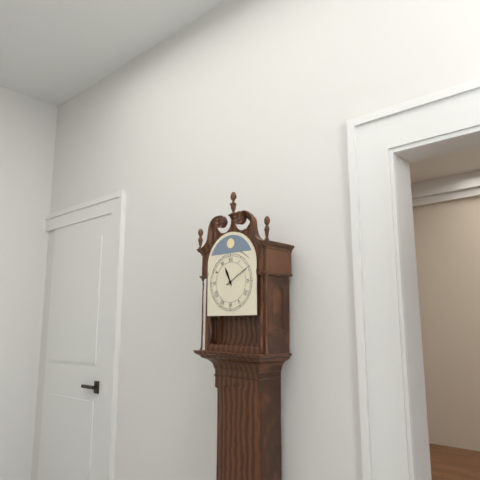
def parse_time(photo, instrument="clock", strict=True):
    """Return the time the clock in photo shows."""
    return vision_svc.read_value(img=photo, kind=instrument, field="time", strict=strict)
11:10
